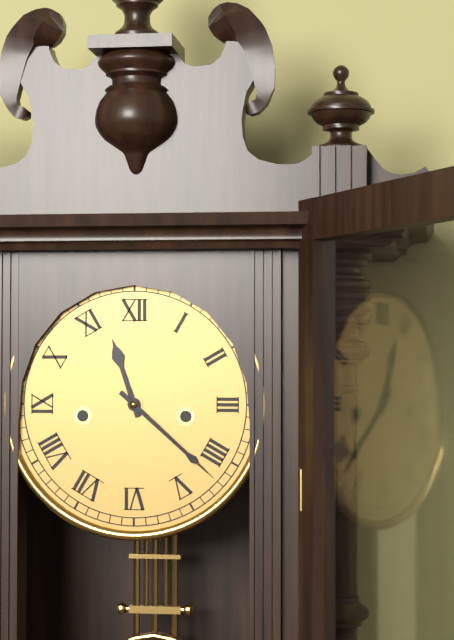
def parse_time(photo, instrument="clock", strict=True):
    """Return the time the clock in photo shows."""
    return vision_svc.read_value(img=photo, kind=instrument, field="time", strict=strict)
11:22
